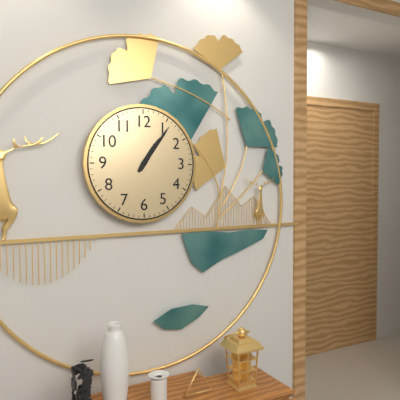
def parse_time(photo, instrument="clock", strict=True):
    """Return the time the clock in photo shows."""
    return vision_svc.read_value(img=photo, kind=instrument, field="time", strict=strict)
1:06
